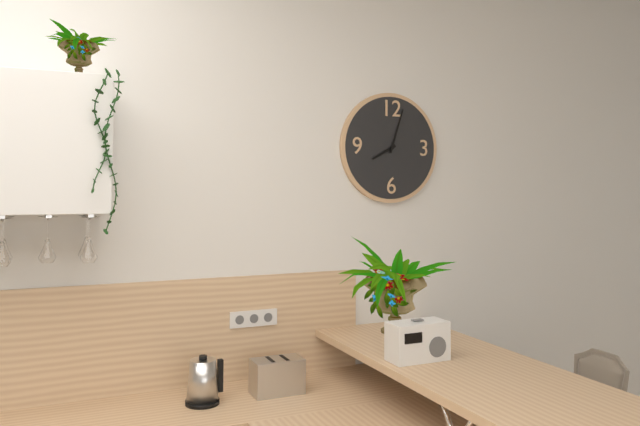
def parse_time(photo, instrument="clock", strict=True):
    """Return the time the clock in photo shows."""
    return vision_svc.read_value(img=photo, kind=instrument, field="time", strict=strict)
8:03
